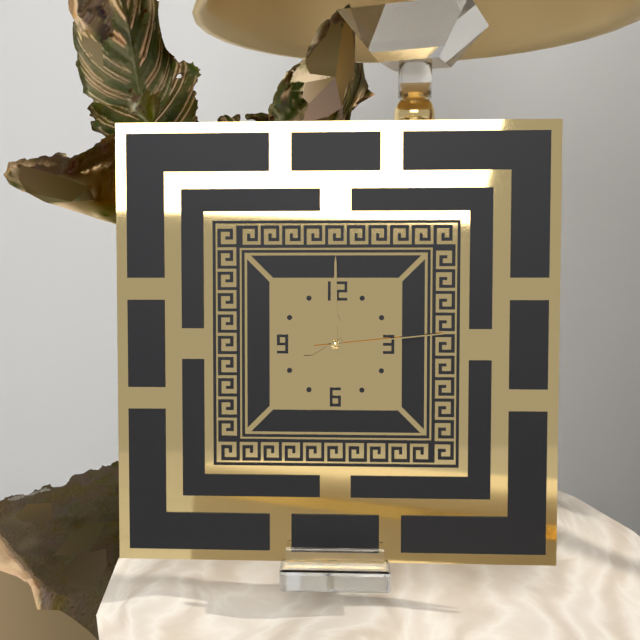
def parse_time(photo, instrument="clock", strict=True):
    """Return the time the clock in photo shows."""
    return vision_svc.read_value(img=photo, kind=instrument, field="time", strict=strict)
8:00:14
